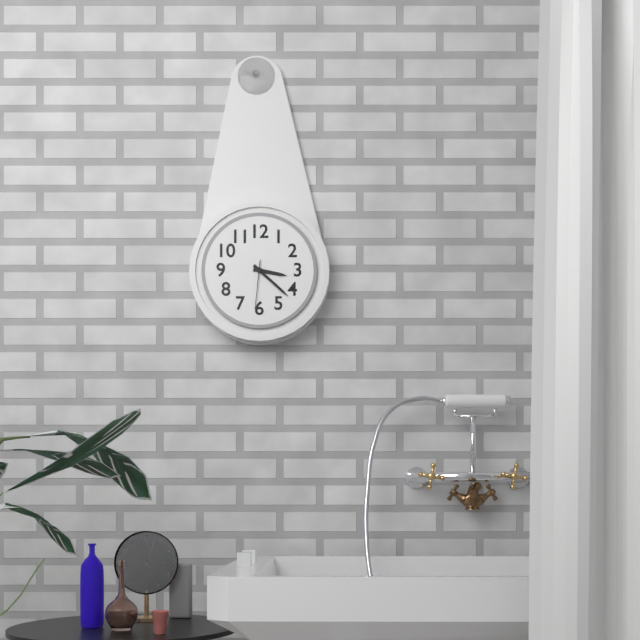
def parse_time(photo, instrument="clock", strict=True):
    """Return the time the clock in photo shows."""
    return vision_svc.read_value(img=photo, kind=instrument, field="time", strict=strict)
3:22
